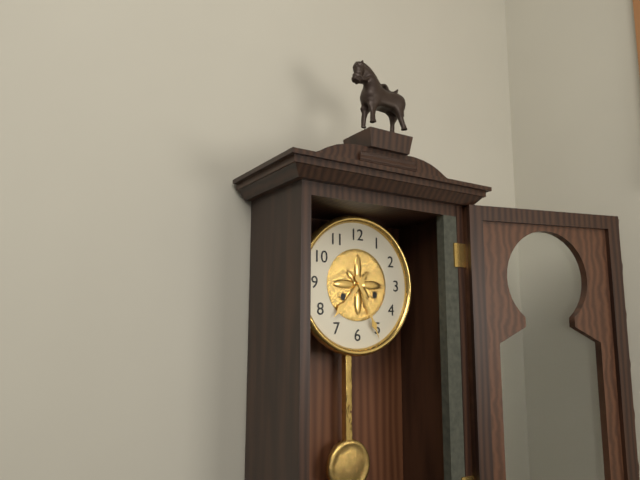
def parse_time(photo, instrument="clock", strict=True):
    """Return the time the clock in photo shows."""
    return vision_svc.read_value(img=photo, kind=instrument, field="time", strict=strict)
7:26
